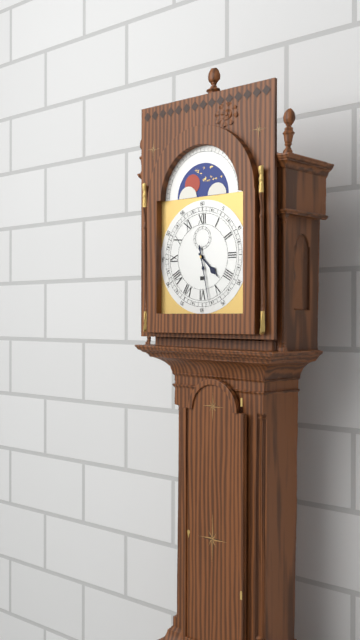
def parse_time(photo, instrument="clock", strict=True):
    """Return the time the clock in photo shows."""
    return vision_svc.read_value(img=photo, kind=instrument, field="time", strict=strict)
4:28
